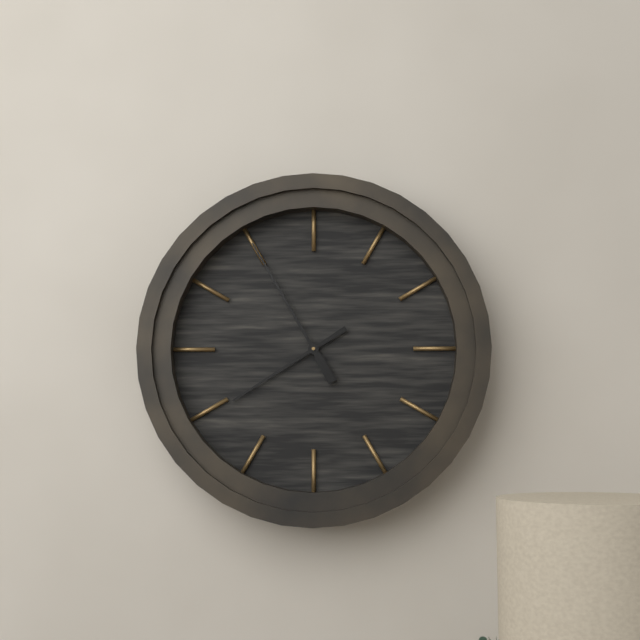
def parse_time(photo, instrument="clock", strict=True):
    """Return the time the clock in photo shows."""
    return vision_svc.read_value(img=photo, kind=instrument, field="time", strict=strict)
7:55
